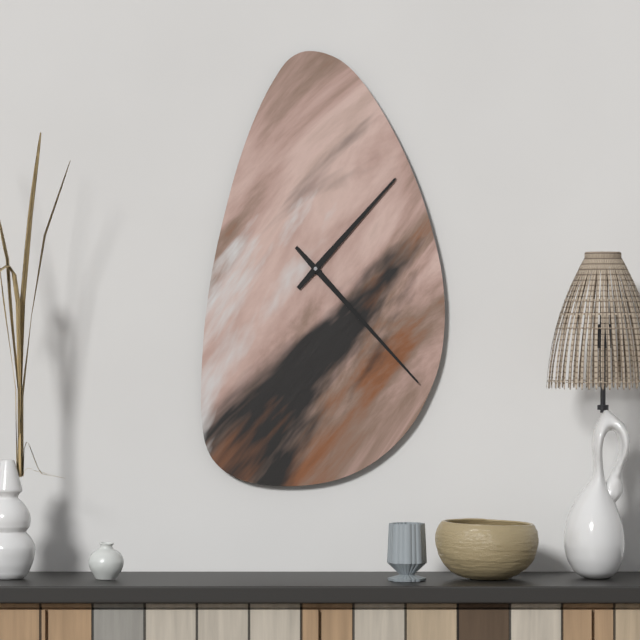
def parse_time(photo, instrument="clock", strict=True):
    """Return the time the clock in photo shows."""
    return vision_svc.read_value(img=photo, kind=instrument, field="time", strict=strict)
1:23
